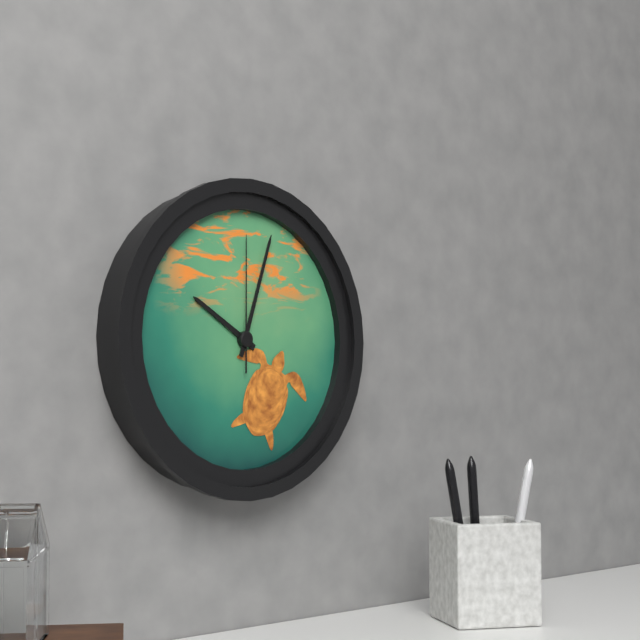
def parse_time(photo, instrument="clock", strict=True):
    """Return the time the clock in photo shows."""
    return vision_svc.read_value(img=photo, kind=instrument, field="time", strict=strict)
10:03:00
